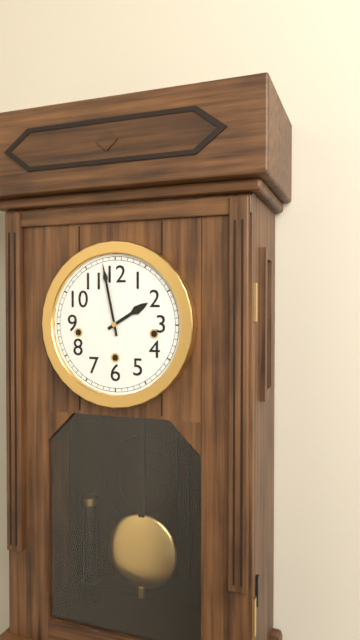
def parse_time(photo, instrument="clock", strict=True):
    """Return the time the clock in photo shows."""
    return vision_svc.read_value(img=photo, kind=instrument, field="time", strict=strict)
1:58
